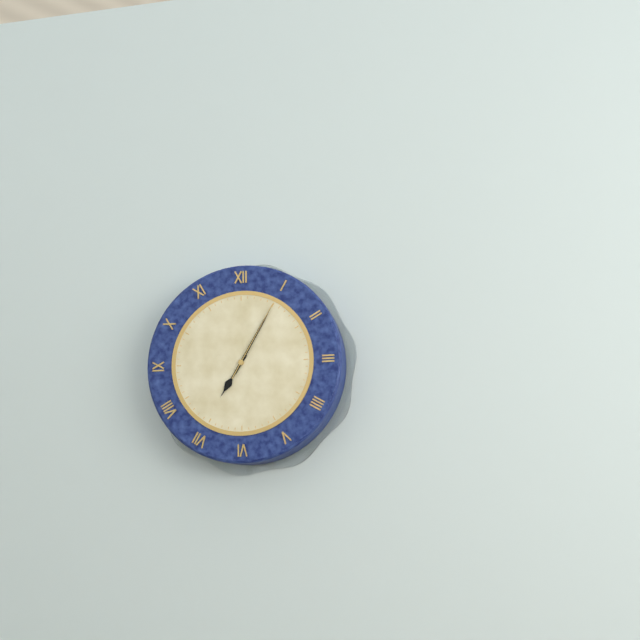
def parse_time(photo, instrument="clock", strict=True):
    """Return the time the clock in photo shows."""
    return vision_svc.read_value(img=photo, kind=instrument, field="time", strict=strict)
7:05:05
